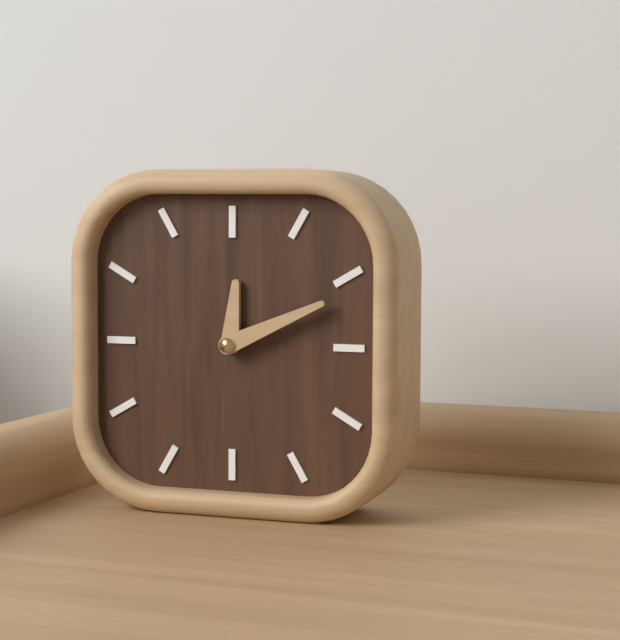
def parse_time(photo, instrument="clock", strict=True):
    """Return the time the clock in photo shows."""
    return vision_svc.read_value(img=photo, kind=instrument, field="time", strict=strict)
12:11
